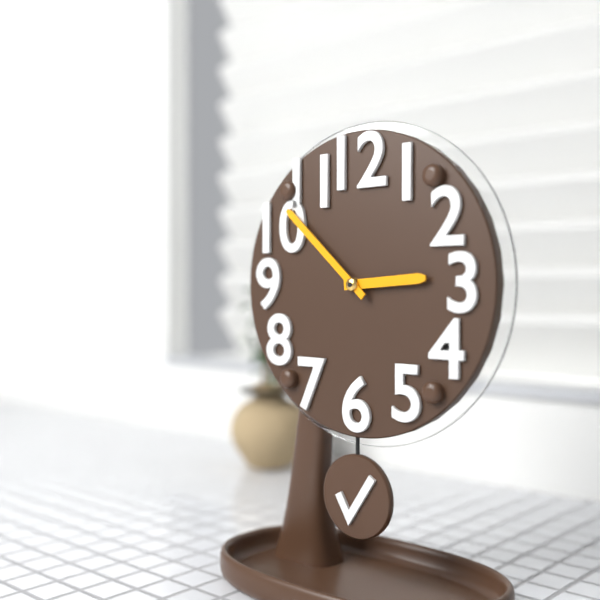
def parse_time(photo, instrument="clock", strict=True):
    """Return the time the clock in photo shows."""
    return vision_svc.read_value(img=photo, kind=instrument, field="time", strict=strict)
2:52
